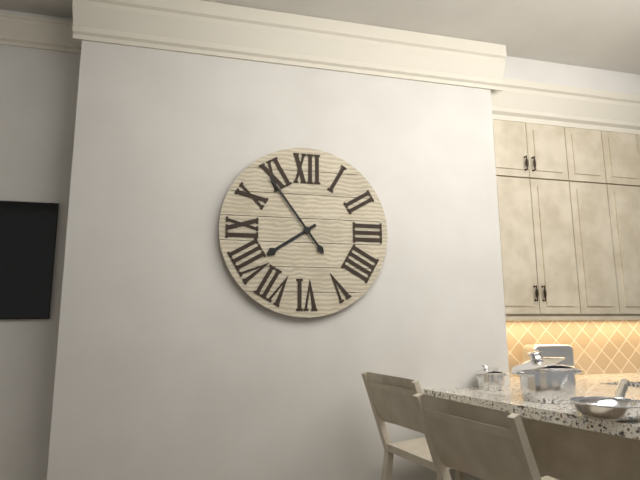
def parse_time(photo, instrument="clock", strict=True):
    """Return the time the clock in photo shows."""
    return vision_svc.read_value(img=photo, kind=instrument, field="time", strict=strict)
7:54
